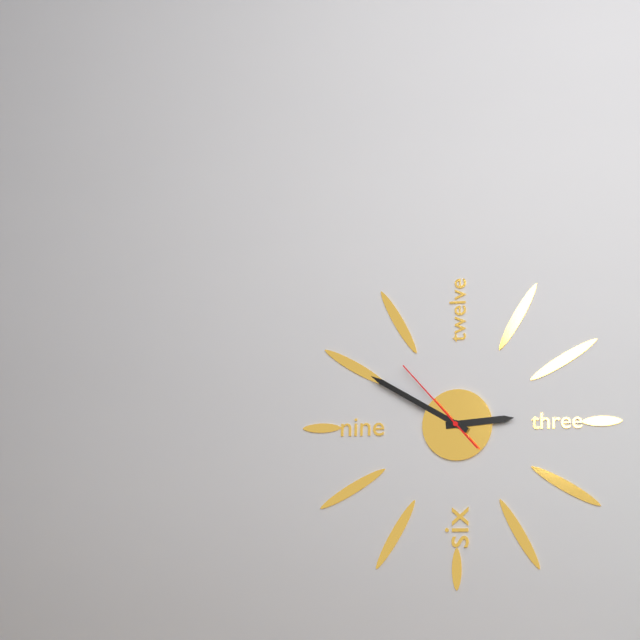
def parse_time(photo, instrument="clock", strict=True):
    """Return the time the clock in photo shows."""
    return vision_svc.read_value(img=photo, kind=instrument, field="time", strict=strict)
2:50:53
